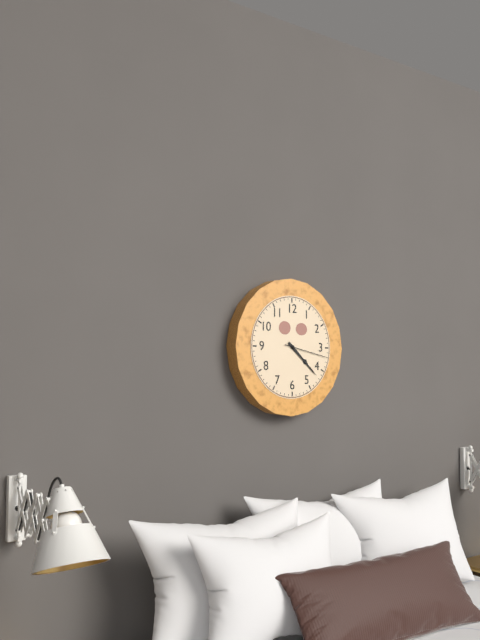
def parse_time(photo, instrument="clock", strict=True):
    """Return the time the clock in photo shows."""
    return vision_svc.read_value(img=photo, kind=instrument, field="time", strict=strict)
4:22
